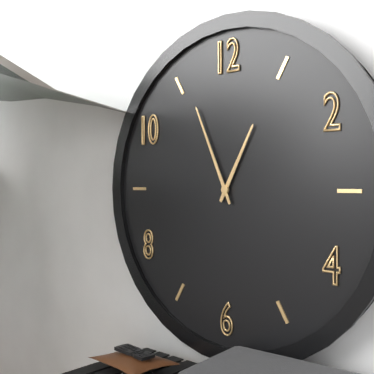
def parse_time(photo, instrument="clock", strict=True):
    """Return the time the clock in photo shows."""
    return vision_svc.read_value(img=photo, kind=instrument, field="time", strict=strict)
12:56
